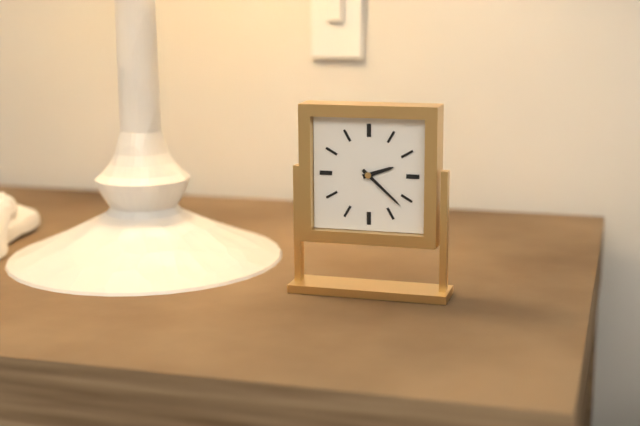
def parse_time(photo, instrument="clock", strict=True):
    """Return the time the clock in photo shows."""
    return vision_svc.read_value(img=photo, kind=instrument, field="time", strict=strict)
2:22
